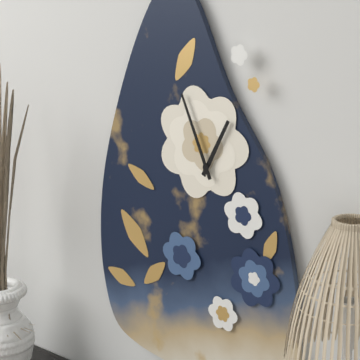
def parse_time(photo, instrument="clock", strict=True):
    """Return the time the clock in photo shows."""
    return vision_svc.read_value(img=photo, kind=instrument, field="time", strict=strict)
12:56
